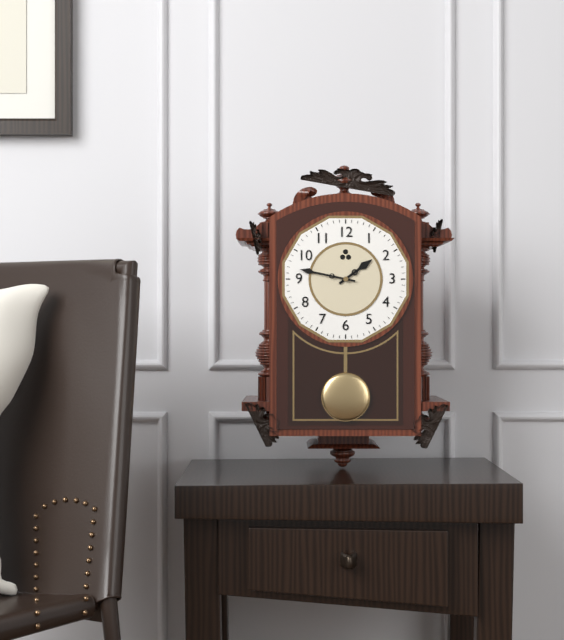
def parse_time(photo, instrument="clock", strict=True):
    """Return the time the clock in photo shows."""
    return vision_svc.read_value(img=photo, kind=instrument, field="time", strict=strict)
1:47
